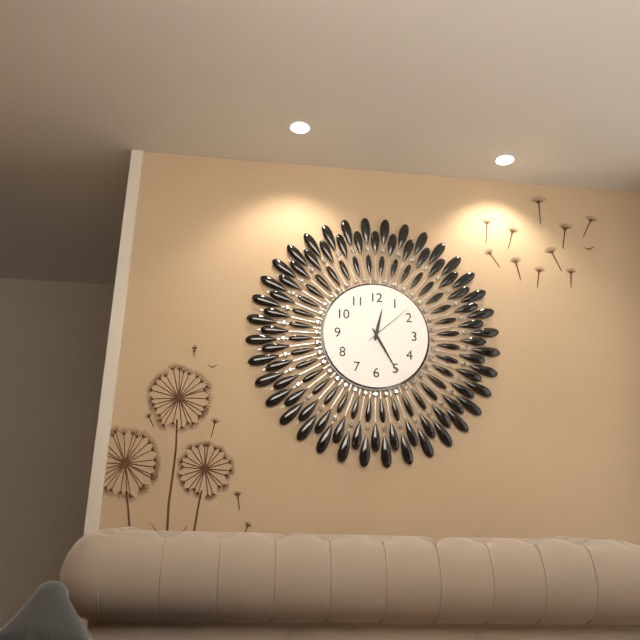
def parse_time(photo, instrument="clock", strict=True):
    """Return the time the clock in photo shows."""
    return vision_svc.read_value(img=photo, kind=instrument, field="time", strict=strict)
12:25:08
